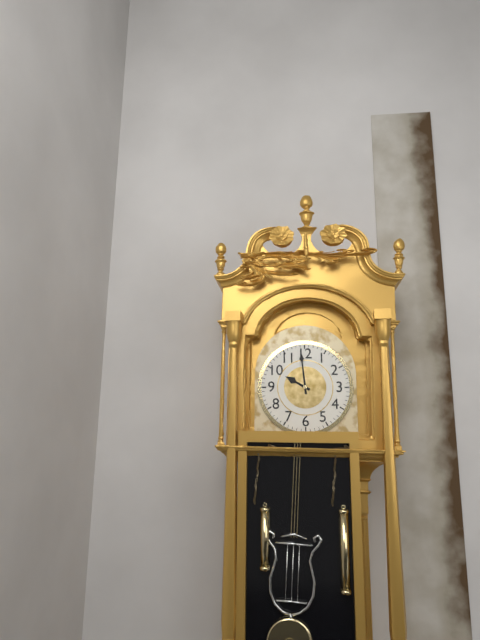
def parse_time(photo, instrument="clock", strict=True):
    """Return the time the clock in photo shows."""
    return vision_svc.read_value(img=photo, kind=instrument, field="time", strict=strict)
9:59
